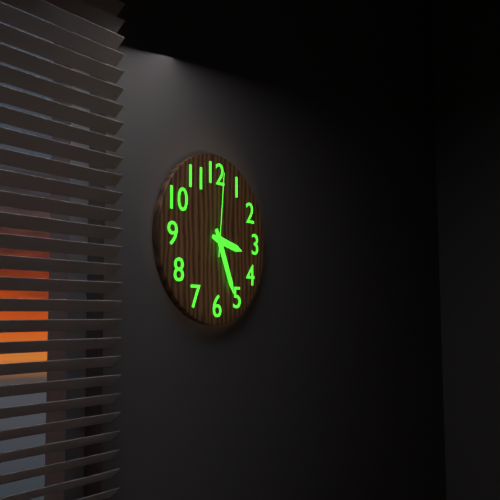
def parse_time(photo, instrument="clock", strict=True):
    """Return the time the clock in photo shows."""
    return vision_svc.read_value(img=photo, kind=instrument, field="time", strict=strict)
3:26:01
